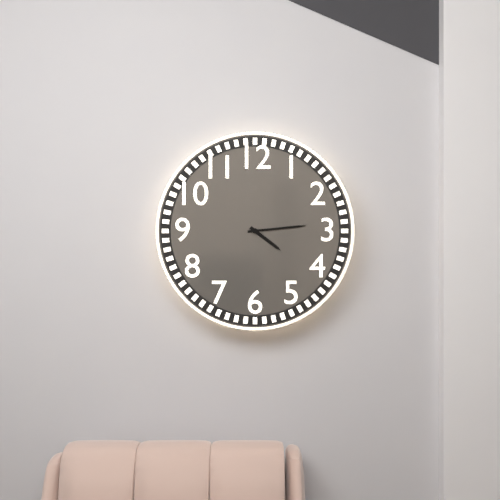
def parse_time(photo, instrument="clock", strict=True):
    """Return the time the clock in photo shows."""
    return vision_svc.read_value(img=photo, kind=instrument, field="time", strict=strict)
4:14
